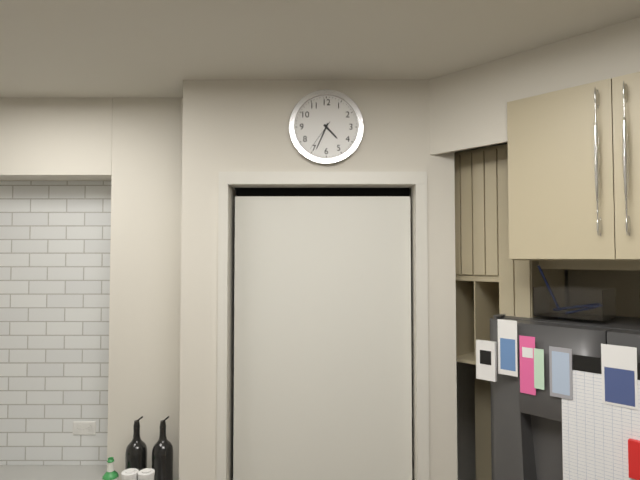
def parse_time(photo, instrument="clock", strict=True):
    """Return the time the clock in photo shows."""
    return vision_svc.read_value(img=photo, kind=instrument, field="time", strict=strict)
4:34
